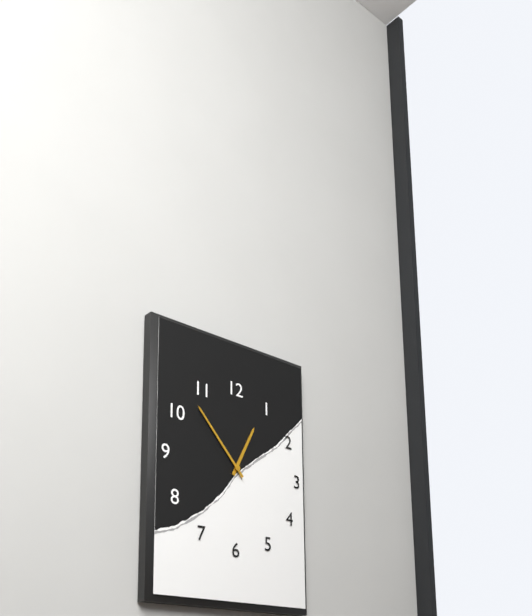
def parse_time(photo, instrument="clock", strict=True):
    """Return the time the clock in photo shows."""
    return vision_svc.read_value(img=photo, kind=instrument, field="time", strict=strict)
12:53
